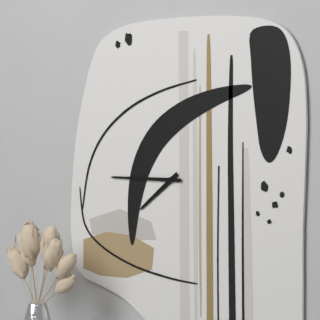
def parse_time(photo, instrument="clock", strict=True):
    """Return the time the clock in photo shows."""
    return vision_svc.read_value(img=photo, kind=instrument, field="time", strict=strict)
7:45
